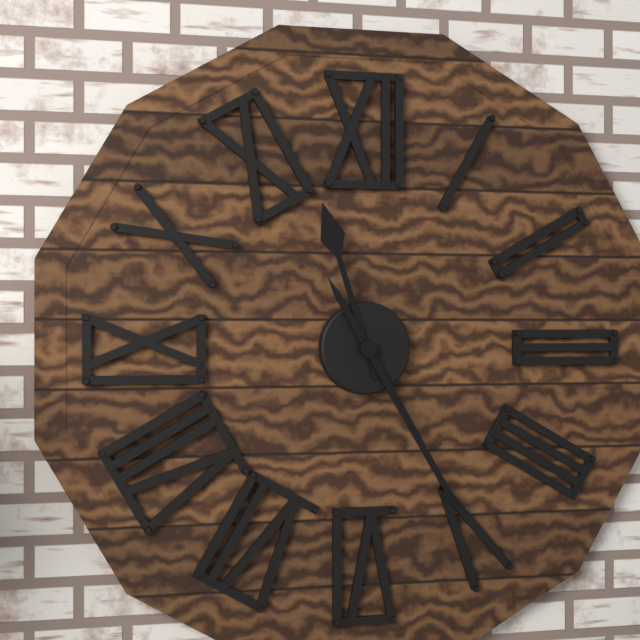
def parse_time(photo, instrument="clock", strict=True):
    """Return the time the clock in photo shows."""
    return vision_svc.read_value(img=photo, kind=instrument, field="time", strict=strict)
11:25
